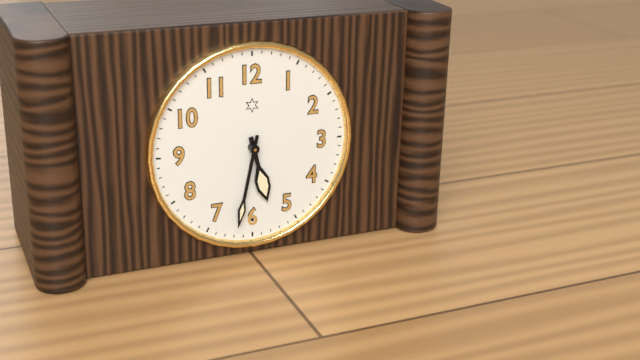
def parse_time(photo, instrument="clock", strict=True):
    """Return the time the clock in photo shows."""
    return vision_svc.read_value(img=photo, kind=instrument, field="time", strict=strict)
5:32
